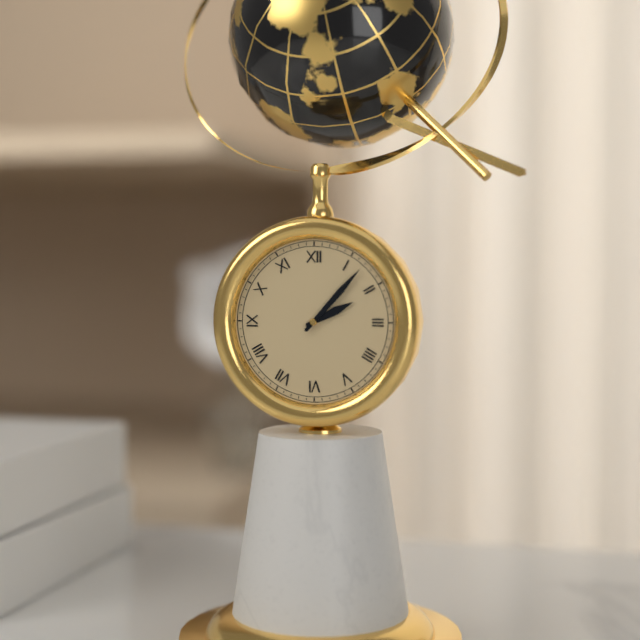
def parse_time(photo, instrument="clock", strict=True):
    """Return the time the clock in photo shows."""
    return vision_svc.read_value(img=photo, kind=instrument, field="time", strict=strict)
2:07
